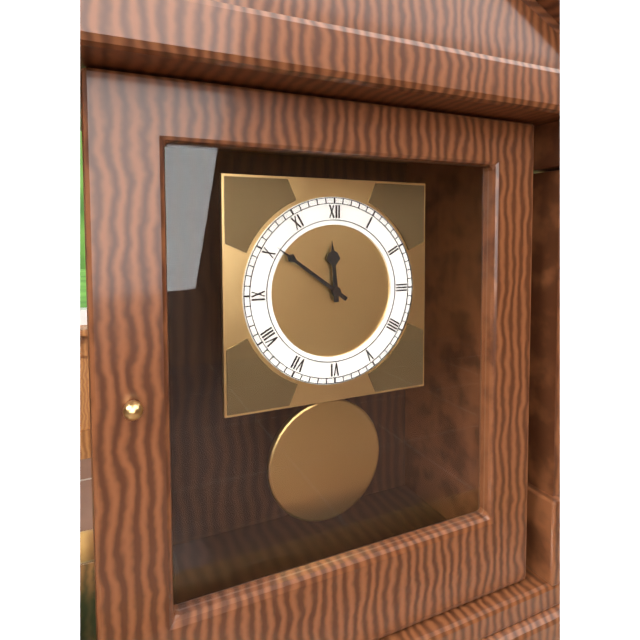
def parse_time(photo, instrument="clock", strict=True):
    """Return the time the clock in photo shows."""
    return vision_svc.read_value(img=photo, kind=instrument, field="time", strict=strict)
11:51
